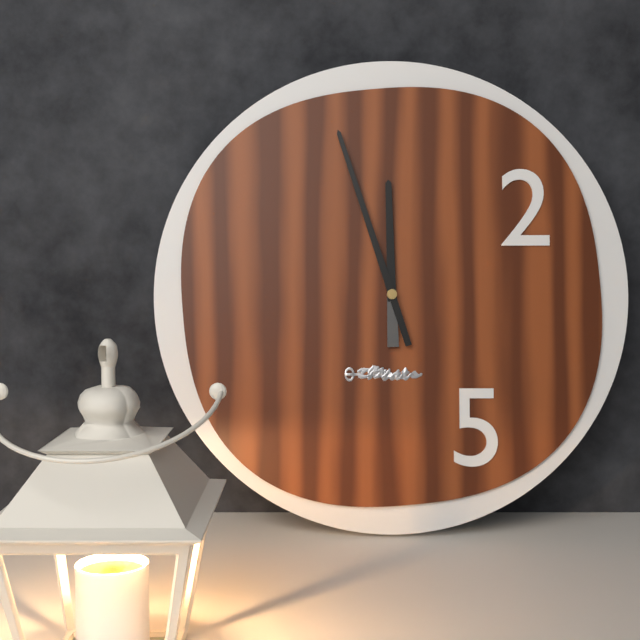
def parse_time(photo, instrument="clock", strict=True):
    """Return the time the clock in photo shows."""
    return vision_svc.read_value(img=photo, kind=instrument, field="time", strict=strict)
11:57
